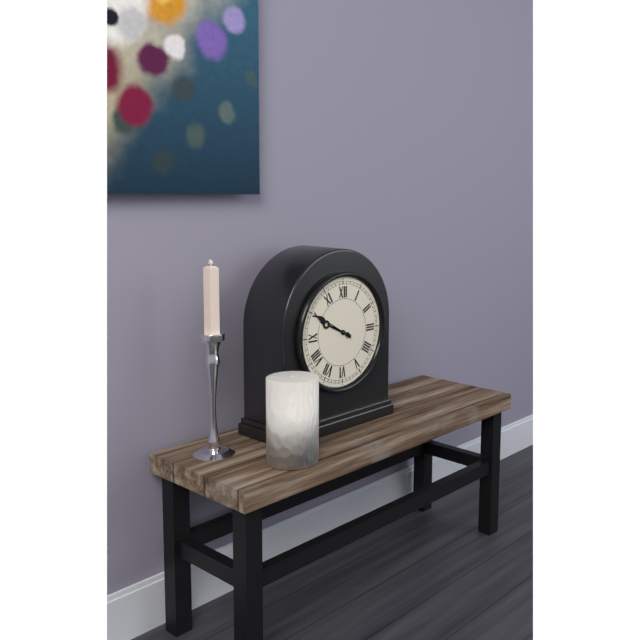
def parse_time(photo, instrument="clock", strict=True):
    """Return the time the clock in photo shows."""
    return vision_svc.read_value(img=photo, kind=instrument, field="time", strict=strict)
9:50
